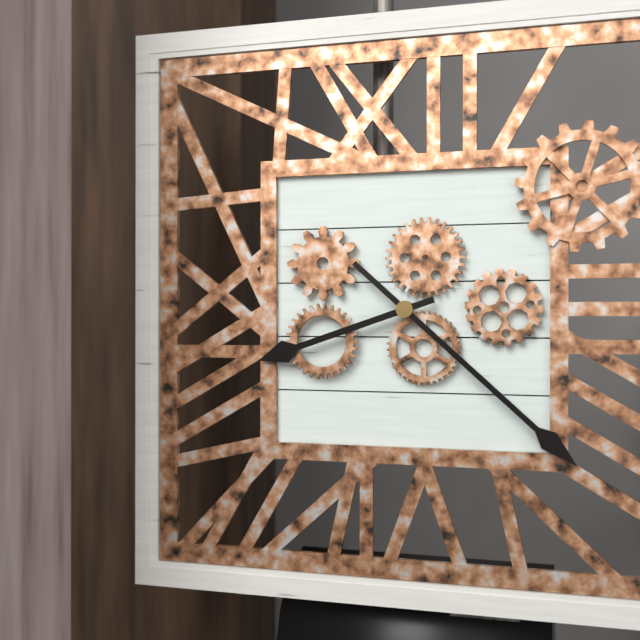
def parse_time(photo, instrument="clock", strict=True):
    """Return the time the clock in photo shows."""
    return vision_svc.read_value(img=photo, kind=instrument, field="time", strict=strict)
8:22
